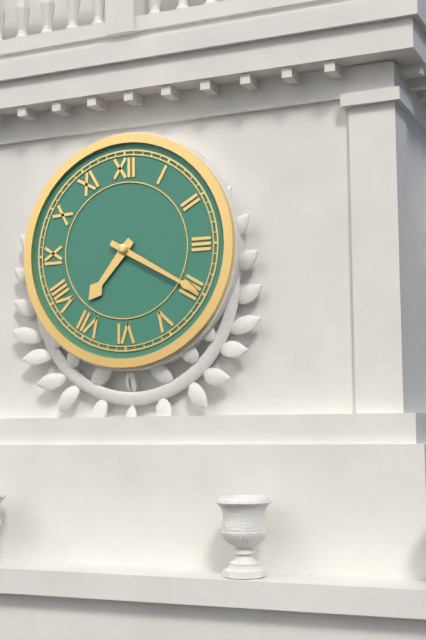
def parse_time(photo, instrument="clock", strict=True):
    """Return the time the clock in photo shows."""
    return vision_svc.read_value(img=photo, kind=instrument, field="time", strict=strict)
7:20
